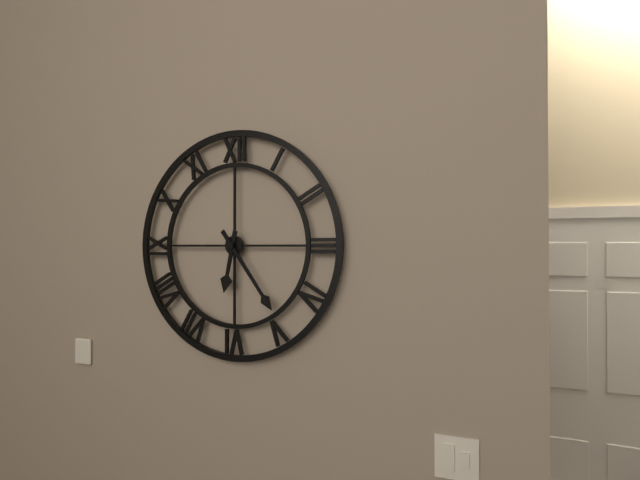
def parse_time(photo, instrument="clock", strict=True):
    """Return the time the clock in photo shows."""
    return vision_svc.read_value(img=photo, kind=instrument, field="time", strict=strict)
6:24
